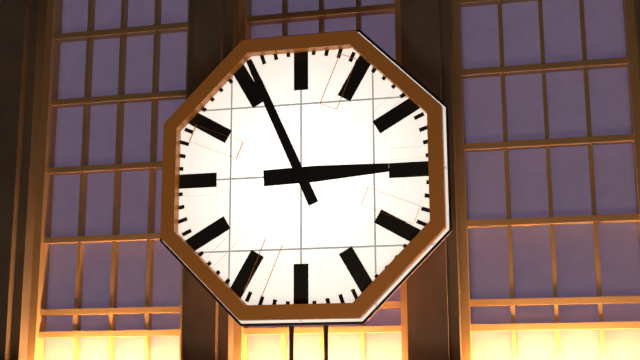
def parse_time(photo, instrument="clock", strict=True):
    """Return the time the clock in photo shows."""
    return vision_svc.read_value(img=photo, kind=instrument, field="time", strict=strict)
2:56
